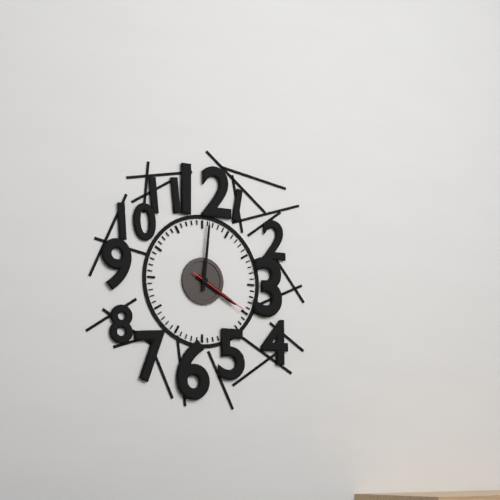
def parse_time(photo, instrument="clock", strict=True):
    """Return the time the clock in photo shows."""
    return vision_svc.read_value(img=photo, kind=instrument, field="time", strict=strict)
4:01:20
